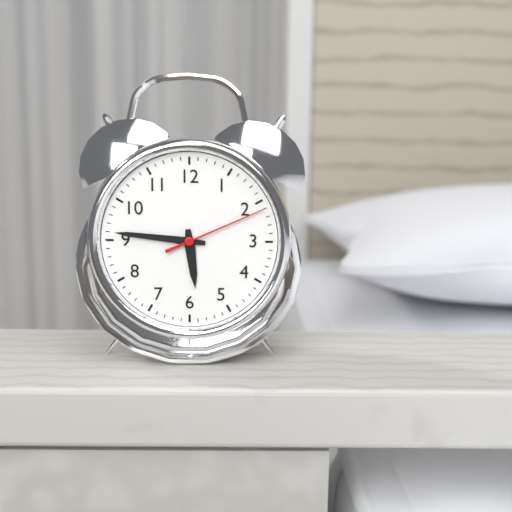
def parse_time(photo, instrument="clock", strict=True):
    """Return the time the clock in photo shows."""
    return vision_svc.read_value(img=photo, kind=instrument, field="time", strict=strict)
5:46:11
